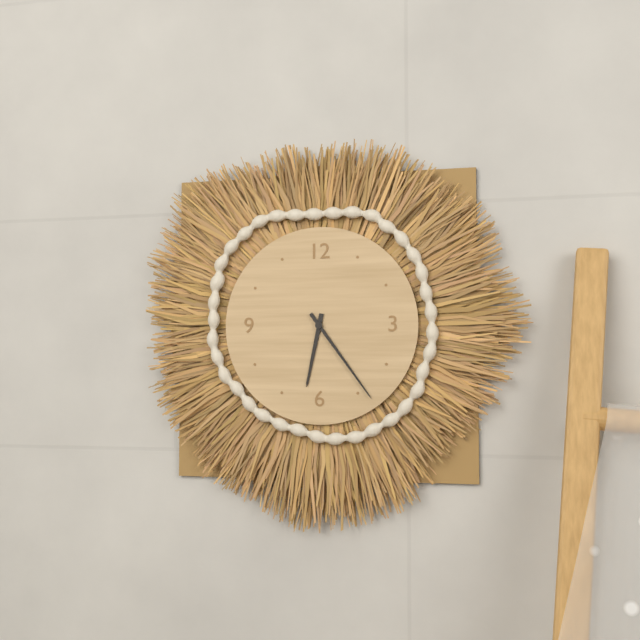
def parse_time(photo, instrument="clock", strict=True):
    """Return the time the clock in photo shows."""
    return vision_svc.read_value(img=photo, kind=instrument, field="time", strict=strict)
6:24
